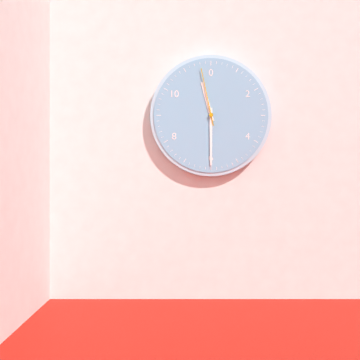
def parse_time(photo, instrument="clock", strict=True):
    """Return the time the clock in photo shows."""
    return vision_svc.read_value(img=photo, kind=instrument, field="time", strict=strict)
11:30:58
